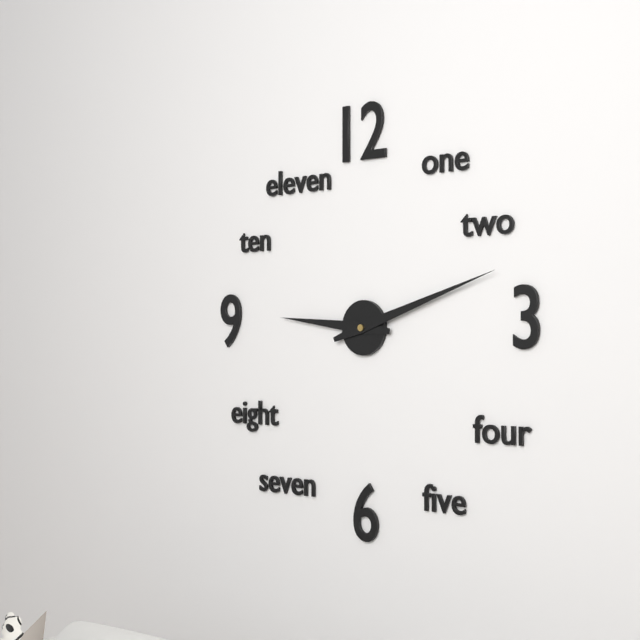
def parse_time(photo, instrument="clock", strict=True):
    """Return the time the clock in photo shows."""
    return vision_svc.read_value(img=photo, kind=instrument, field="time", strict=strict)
9:12
